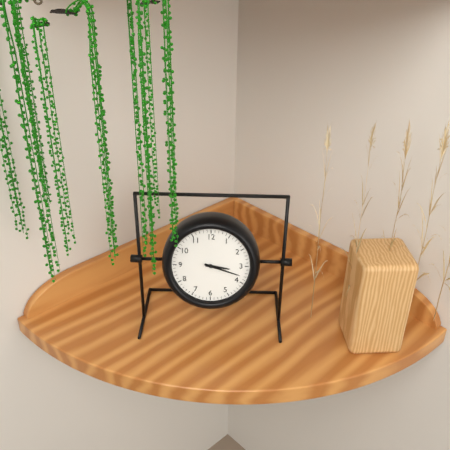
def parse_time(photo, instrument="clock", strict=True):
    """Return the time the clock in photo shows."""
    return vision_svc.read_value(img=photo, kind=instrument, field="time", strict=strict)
3:18
